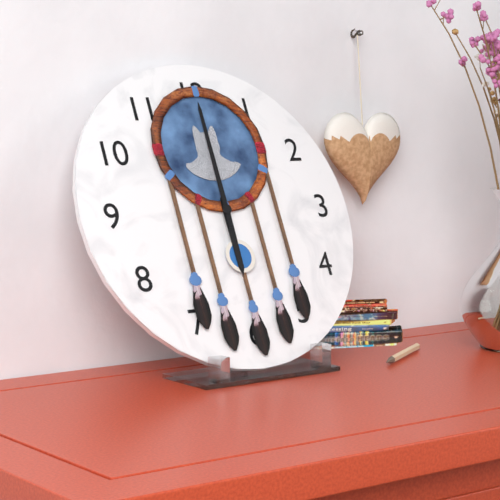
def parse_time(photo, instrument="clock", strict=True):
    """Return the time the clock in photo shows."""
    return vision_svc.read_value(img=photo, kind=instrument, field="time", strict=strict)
6:00
